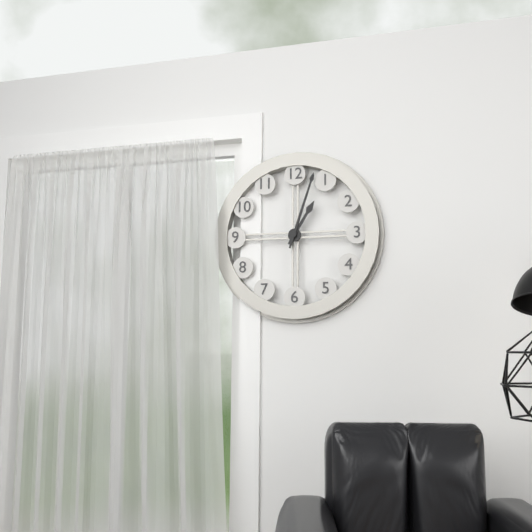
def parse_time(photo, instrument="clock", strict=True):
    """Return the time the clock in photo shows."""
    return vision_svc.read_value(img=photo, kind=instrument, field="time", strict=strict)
1:03
